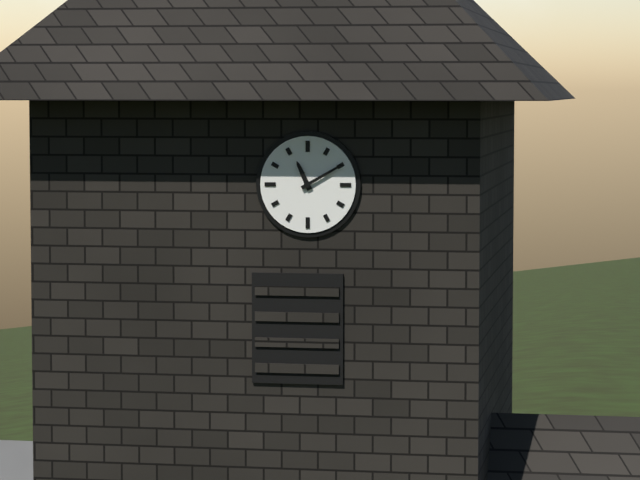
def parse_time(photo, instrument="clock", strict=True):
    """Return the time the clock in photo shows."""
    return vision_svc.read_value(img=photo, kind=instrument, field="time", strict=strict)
11:10
